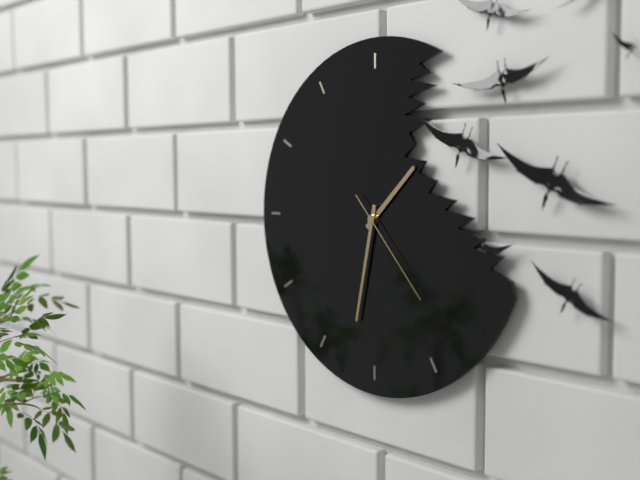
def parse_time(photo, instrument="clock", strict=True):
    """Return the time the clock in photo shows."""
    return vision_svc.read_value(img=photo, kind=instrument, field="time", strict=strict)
1:32:23
